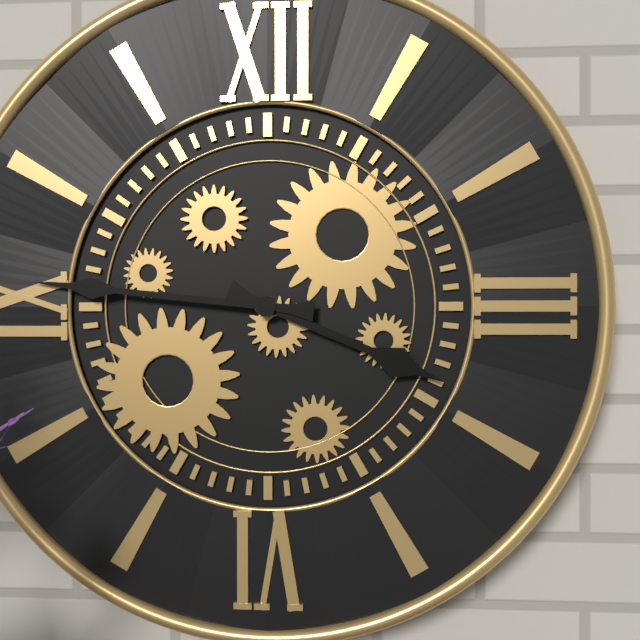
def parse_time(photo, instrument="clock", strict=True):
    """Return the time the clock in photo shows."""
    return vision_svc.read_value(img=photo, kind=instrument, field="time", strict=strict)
3:46
